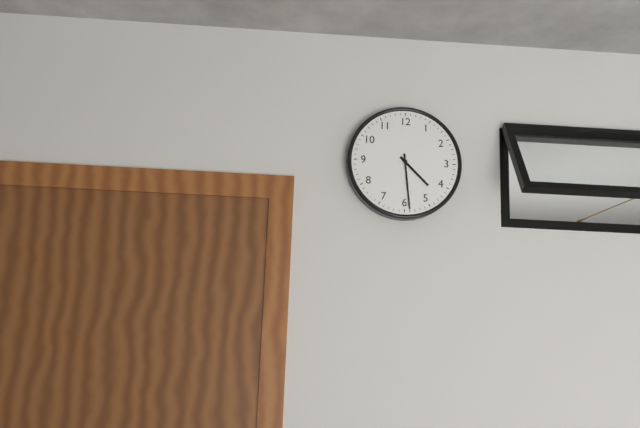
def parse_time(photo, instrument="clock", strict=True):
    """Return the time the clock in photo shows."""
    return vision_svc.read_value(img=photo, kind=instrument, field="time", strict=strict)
4:29
